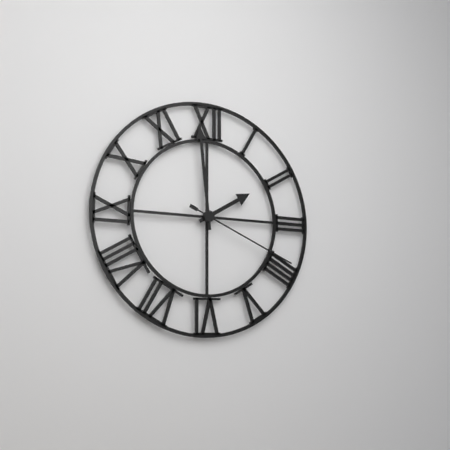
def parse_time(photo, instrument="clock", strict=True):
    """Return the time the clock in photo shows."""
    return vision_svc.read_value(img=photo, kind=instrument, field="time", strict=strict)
1:59:19
